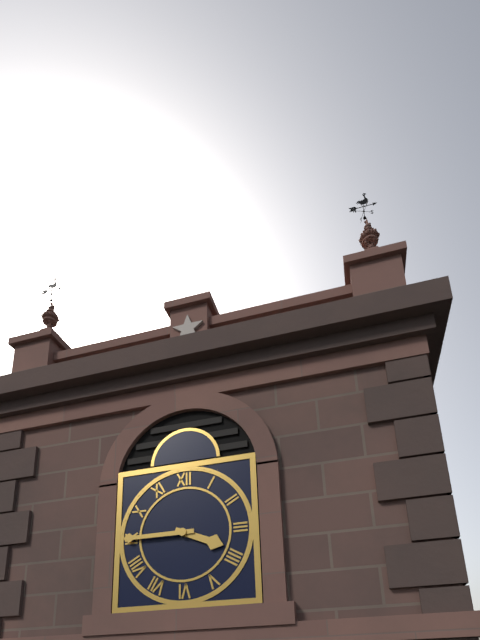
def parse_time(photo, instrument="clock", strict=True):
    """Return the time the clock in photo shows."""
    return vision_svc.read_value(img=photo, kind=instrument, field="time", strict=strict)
3:45
